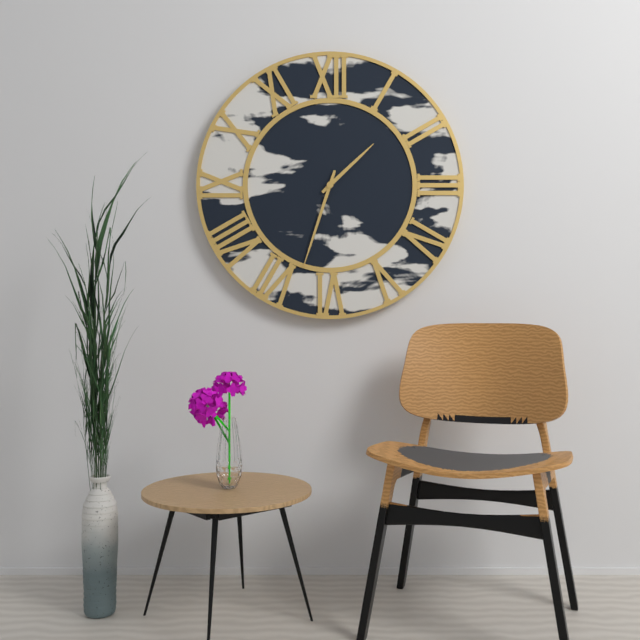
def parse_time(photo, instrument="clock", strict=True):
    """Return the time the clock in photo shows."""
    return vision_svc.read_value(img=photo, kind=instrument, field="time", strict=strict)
1:33
